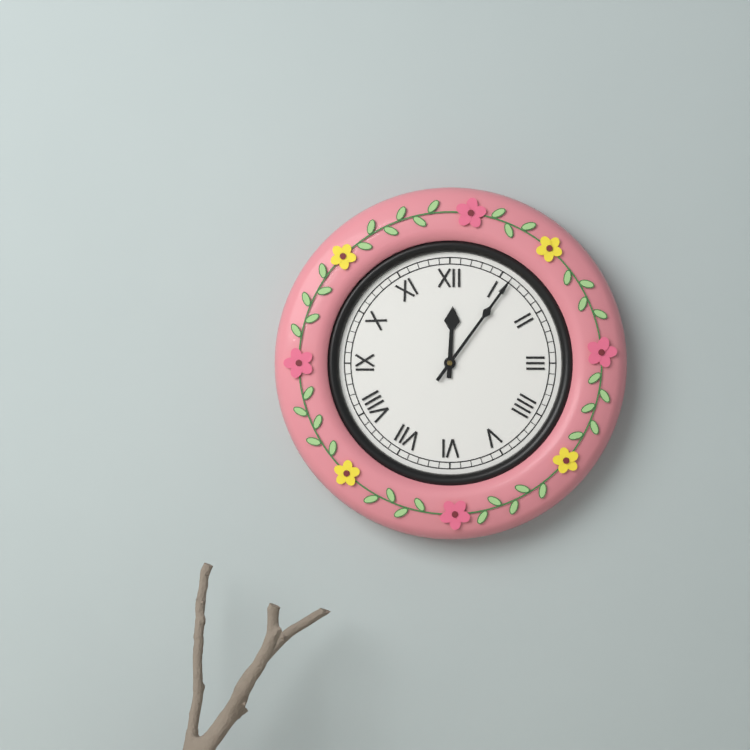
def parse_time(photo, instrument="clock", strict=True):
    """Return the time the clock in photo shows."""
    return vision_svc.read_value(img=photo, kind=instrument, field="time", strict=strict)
12:06
